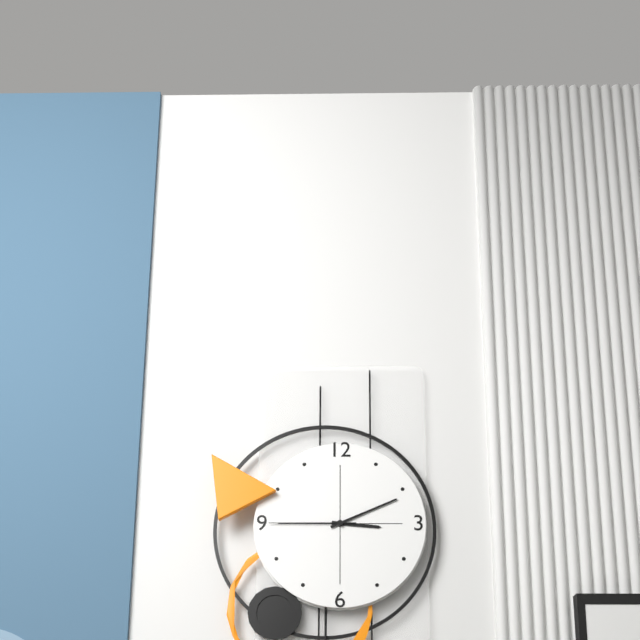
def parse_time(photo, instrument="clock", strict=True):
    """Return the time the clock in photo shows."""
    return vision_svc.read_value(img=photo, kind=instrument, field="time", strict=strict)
3:11:45
